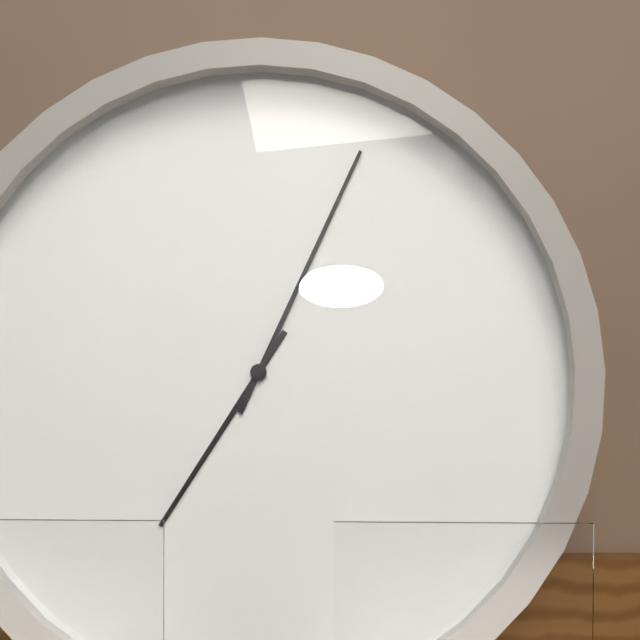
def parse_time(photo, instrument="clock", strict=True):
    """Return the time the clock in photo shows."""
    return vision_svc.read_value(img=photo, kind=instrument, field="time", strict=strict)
7:04
